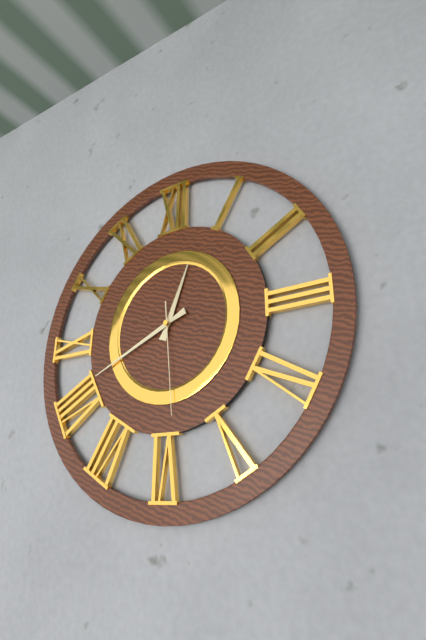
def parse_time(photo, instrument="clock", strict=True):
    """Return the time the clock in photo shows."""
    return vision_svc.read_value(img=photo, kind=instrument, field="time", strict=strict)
12:41:29
